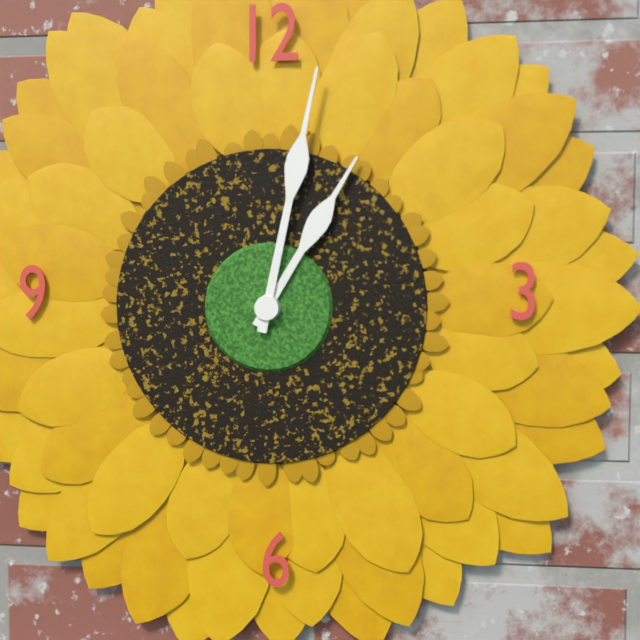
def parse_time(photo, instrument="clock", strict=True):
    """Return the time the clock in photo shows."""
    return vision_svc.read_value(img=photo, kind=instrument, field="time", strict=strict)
1:02
